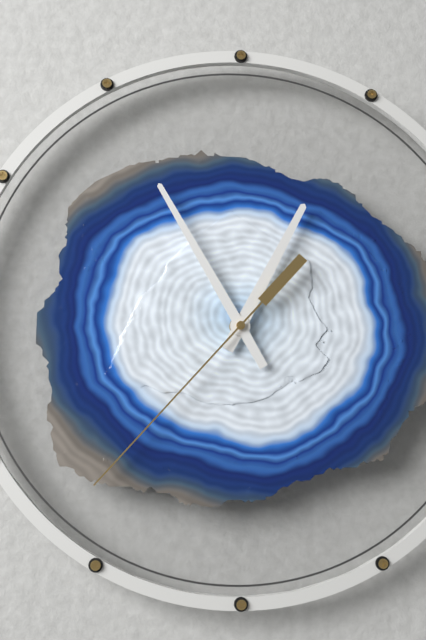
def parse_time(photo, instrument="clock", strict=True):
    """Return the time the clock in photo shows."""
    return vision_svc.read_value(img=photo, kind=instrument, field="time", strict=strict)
12:55:37
